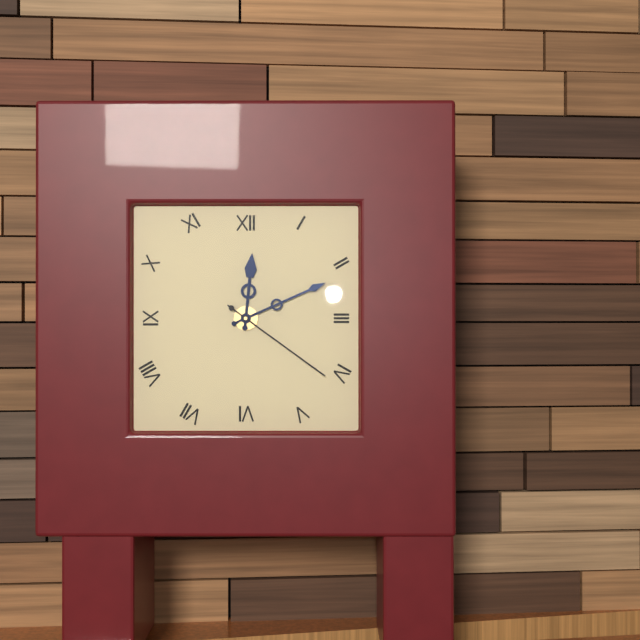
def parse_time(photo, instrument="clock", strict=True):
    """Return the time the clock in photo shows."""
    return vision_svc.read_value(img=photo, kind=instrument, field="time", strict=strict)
12:11:21
